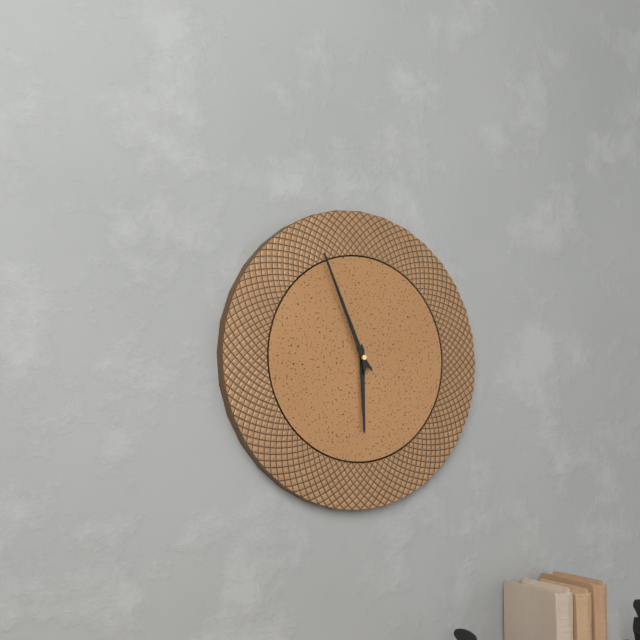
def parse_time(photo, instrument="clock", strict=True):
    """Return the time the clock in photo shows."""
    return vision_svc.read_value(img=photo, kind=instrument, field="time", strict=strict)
5:56
